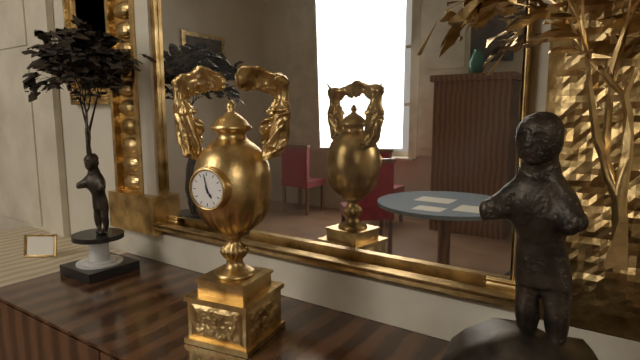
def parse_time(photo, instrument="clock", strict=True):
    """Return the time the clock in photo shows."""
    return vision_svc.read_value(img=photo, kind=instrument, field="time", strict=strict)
4:58
